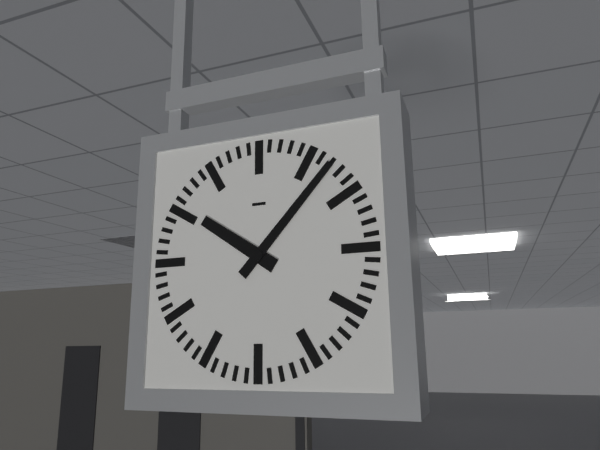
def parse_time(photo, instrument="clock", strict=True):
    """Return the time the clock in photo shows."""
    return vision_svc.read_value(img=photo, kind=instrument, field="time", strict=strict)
10:07
